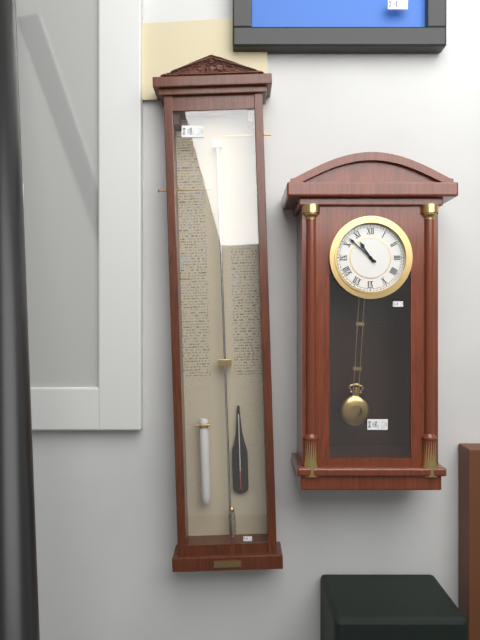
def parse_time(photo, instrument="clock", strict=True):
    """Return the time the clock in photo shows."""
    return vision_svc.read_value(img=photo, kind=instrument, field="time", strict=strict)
10:52
